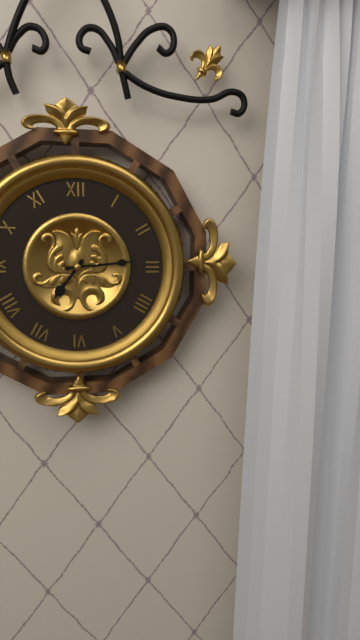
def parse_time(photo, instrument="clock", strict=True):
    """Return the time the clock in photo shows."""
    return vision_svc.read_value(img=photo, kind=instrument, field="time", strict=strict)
7:14
